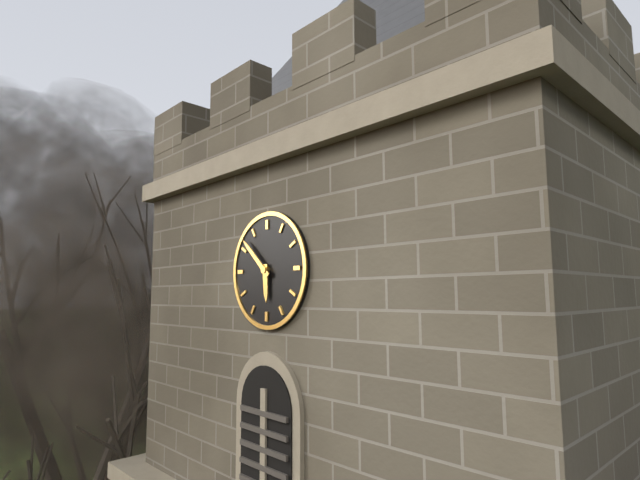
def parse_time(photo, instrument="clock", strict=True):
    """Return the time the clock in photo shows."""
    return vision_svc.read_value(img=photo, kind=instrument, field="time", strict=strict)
5:52
